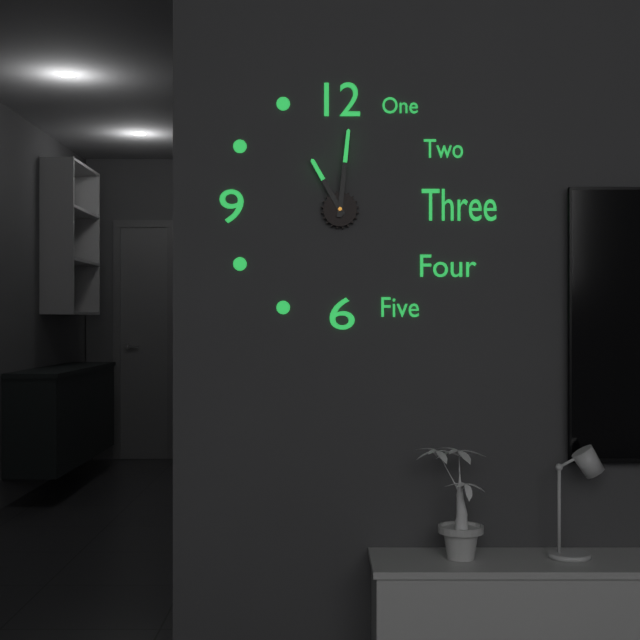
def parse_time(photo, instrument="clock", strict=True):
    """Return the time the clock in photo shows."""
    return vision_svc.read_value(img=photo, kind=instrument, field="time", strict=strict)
11:01
